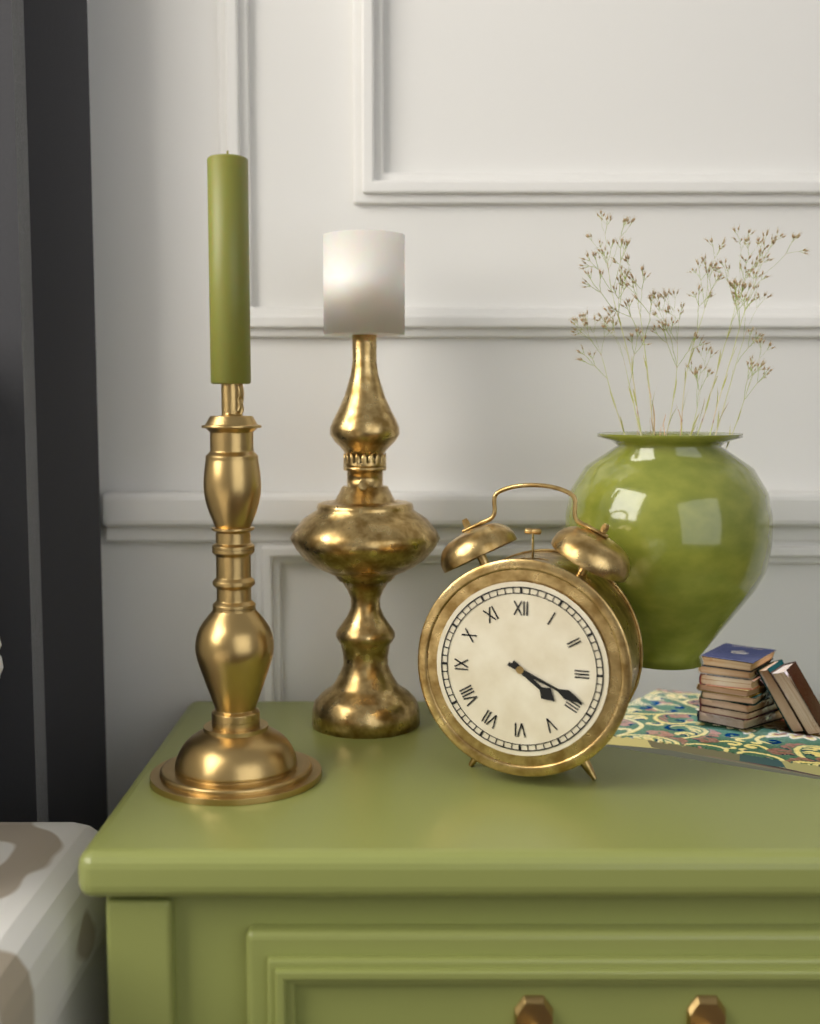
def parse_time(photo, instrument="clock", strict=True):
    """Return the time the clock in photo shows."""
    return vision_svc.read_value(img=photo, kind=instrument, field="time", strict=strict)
4:19
